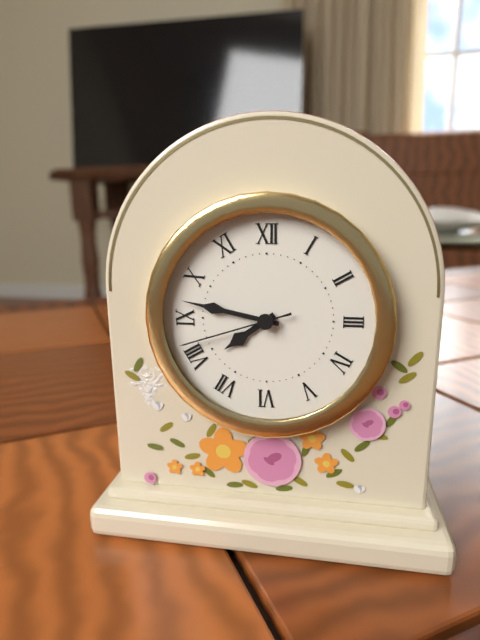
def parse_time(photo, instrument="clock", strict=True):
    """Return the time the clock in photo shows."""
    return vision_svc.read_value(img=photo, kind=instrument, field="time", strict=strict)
7:47:42
